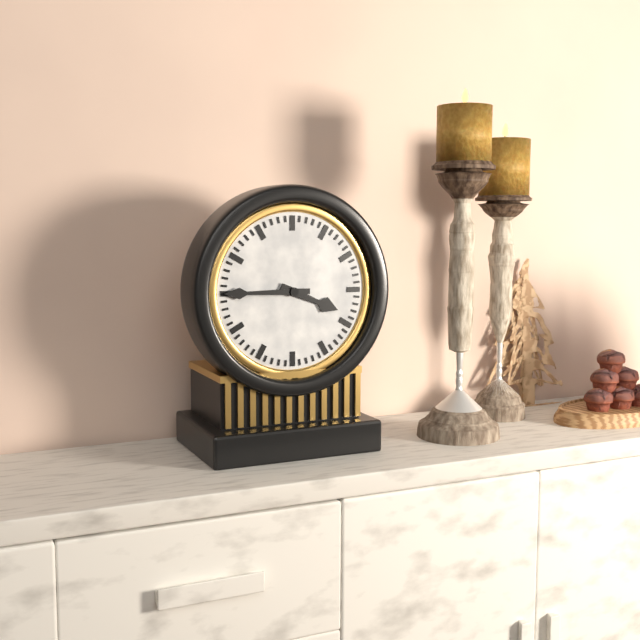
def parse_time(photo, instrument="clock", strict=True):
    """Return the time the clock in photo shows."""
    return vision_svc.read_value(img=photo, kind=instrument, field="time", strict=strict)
3:45
